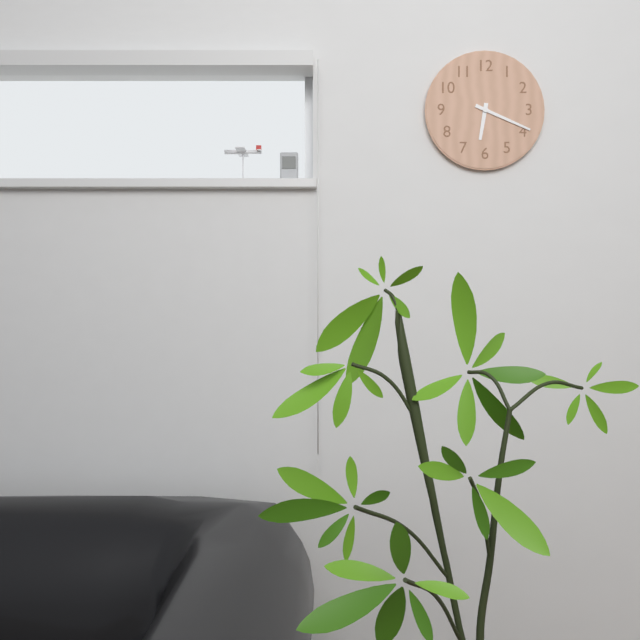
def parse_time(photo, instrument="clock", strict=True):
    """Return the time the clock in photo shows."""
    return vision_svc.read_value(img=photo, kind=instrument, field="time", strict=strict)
6:19
